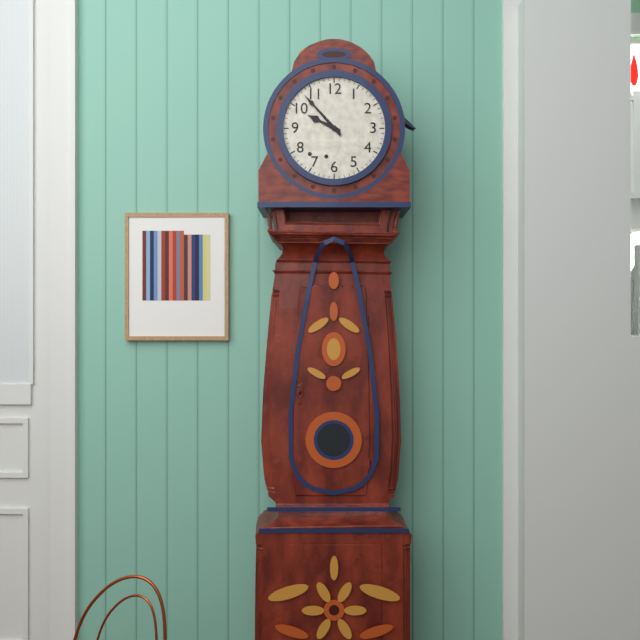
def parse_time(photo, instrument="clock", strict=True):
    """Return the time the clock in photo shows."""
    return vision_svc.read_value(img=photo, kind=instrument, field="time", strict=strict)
9:53
